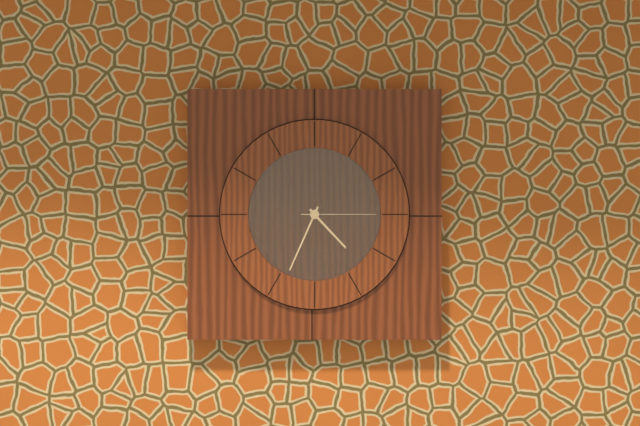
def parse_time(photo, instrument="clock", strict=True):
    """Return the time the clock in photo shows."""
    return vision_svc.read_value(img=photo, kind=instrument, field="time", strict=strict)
4:34:15
